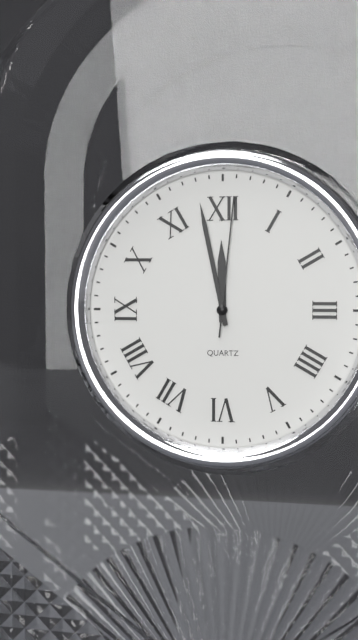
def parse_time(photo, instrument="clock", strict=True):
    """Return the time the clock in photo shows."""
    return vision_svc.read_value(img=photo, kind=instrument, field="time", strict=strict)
11:58:01
